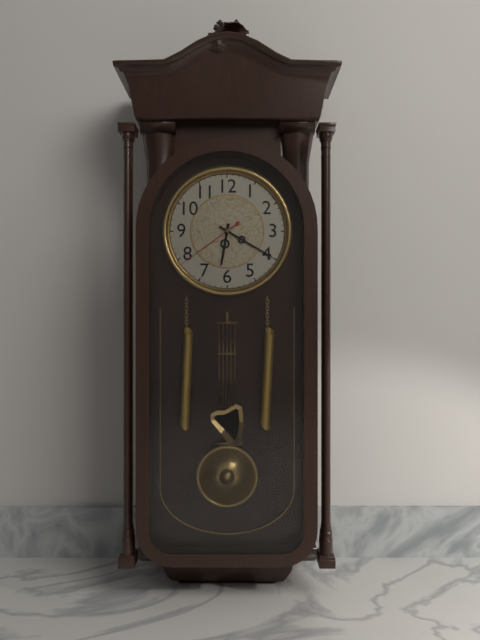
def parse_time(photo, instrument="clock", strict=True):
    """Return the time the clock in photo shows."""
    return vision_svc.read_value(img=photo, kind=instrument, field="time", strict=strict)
6:20:39
